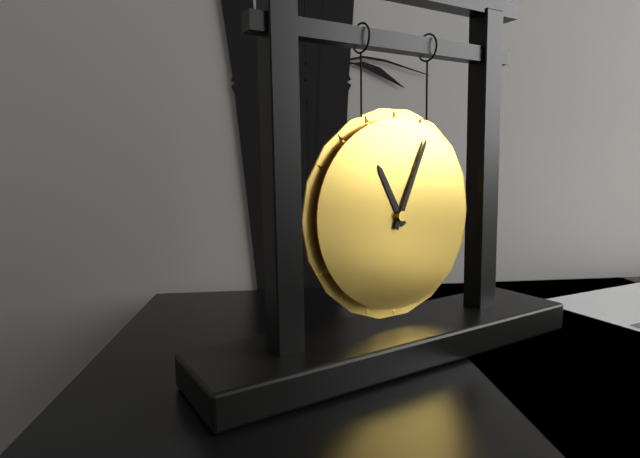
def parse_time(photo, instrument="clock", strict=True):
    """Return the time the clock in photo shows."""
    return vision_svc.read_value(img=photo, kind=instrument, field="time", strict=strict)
11:04
